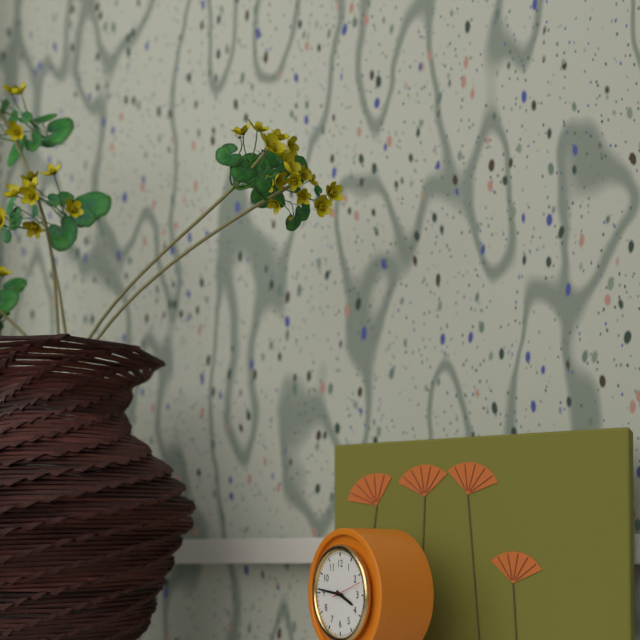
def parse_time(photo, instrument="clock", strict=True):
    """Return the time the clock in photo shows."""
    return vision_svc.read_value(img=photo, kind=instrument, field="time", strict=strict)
3:46
